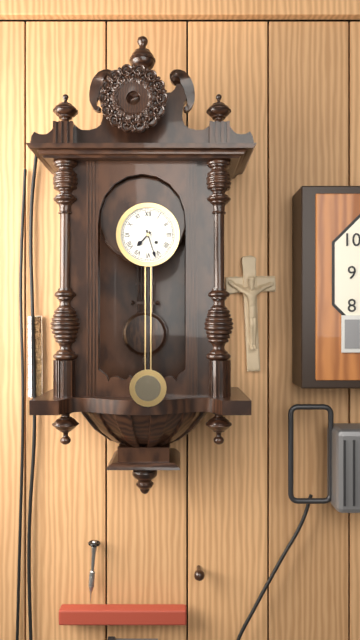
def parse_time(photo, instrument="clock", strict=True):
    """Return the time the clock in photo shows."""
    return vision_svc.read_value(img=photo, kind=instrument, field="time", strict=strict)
7:27
